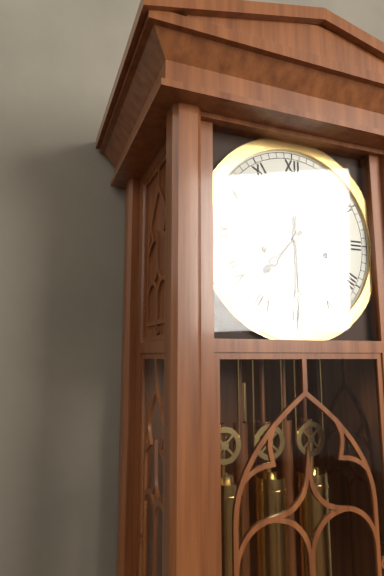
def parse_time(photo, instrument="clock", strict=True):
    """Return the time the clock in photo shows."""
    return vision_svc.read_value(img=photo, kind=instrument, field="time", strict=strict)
7:30
